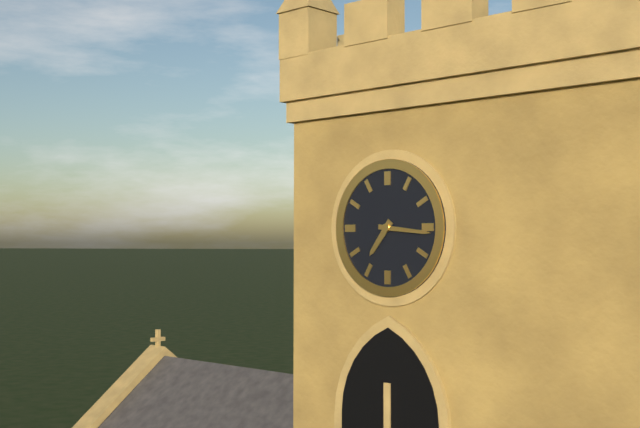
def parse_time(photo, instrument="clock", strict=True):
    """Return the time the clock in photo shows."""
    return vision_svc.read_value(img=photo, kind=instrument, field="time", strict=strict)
7:16
